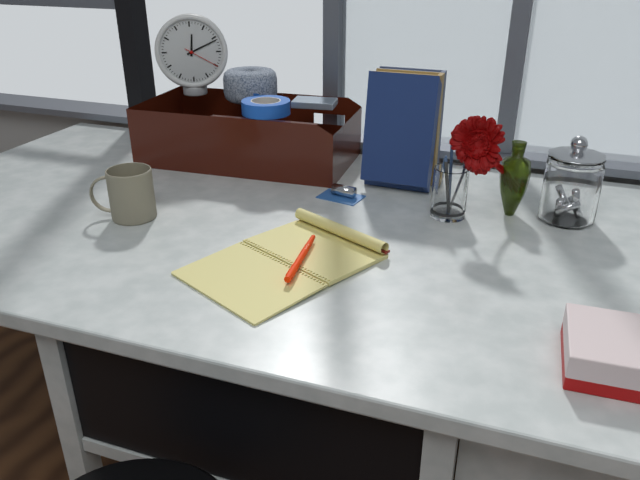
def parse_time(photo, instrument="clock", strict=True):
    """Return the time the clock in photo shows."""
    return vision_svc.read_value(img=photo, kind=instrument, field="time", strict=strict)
12:11
